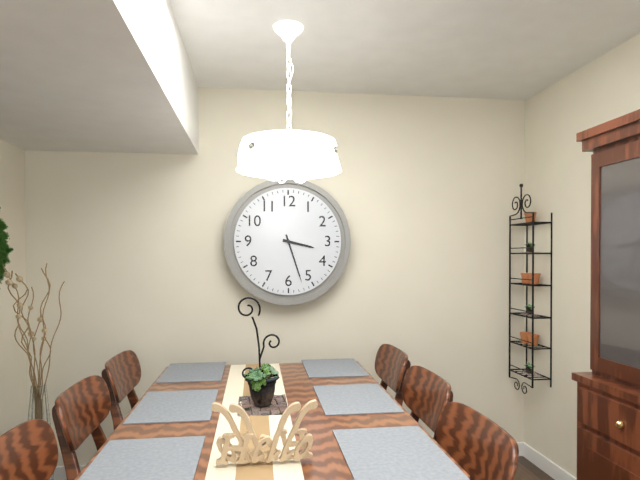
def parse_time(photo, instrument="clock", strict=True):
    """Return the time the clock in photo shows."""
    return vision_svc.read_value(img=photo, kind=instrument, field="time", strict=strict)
3:27
